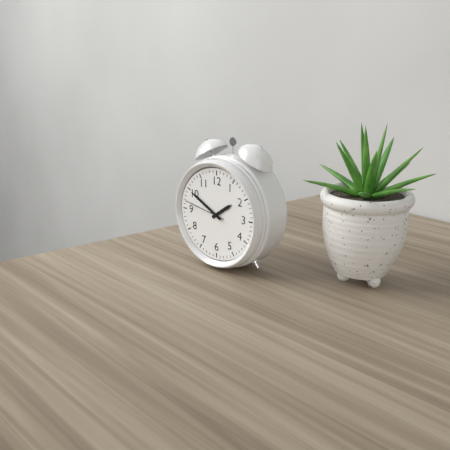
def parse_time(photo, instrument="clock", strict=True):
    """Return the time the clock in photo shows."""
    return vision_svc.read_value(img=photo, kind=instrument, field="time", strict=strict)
1:50
